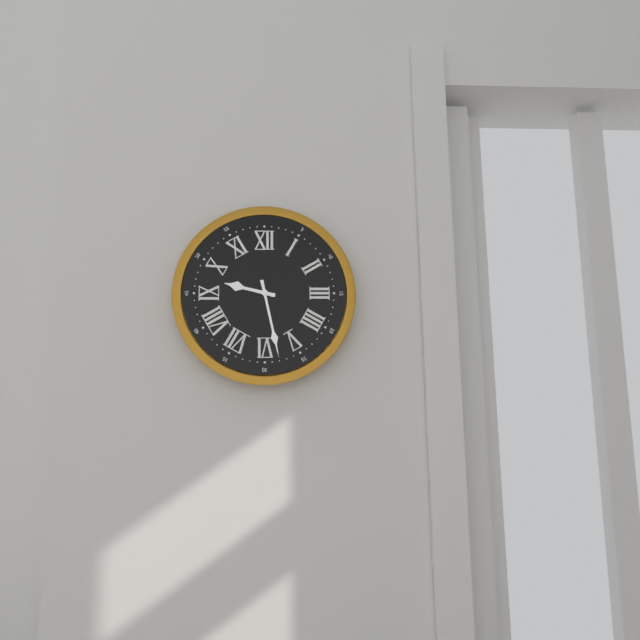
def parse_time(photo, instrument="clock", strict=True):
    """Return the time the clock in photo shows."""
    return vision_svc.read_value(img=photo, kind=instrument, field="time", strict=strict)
9:28
